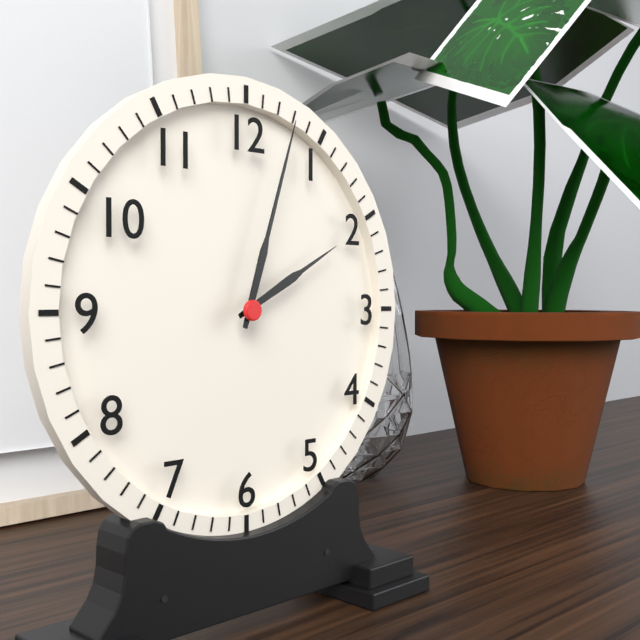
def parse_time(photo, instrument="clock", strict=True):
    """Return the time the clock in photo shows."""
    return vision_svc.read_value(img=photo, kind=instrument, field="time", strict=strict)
2:03
